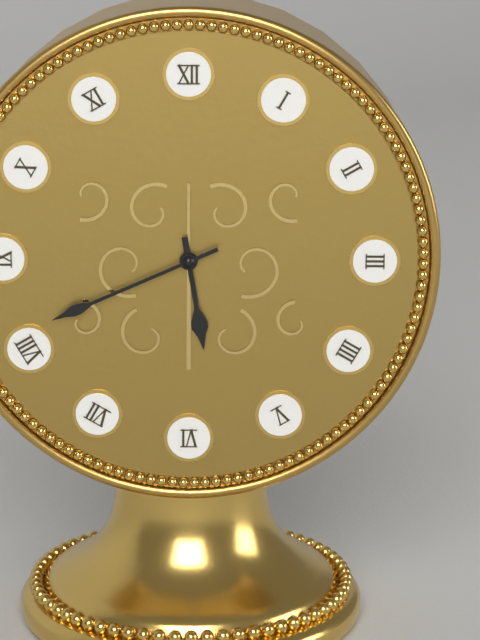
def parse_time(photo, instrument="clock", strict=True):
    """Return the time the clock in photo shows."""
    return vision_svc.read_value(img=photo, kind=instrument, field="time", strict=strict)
5:41
